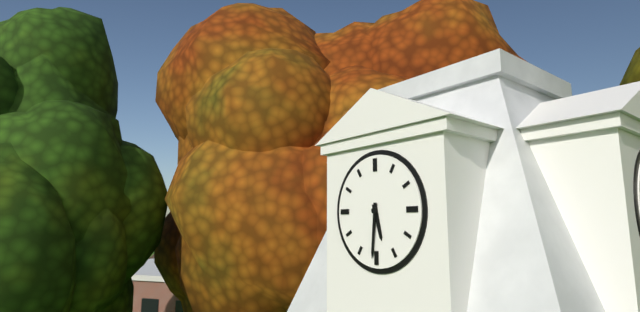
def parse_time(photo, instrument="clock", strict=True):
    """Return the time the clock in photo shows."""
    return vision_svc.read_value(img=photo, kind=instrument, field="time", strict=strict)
5:31
